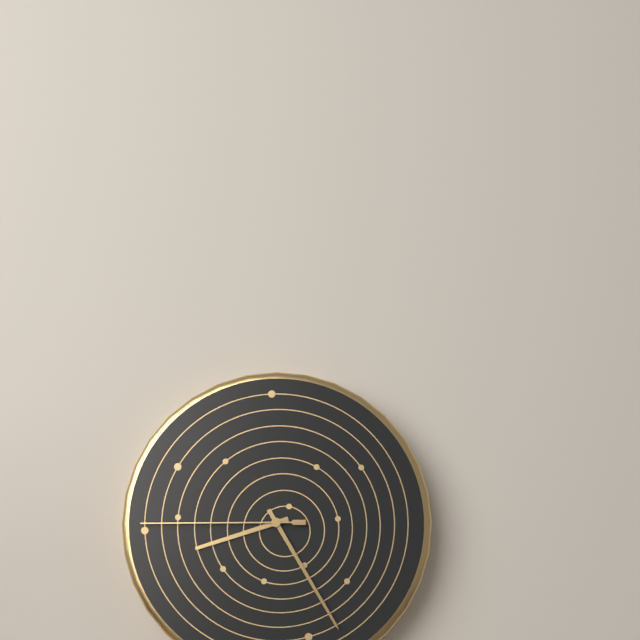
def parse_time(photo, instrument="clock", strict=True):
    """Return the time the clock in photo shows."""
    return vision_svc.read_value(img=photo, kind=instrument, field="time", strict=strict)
8:25:45
